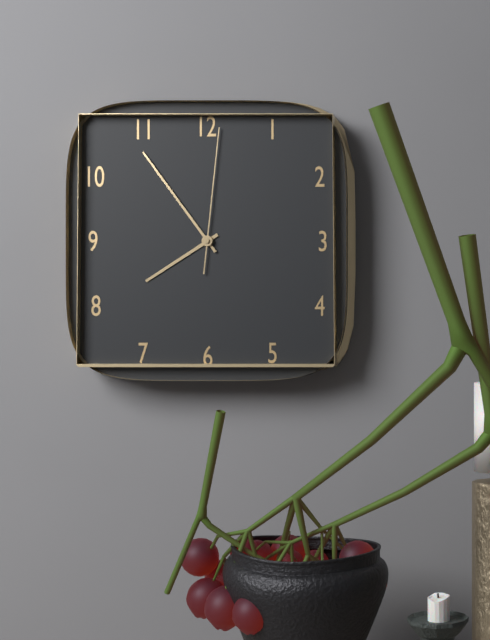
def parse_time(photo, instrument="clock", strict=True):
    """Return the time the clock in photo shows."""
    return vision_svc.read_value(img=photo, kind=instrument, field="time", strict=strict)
7:54:01
